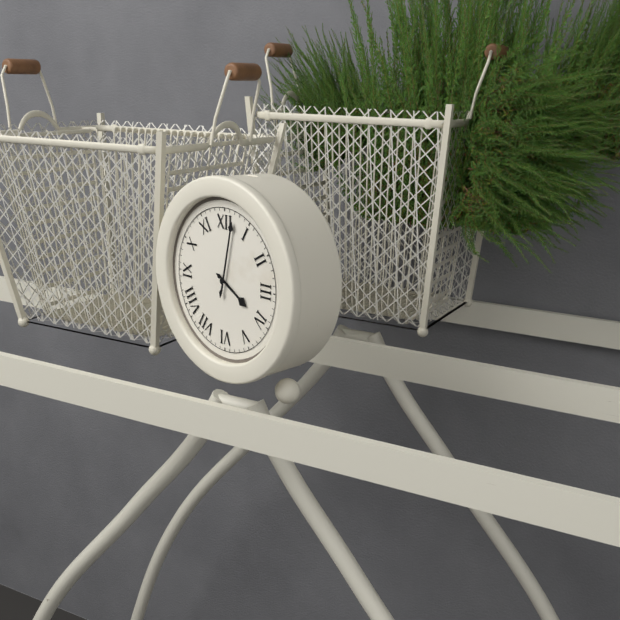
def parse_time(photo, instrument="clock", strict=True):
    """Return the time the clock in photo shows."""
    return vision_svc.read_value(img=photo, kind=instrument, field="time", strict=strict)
4:02
